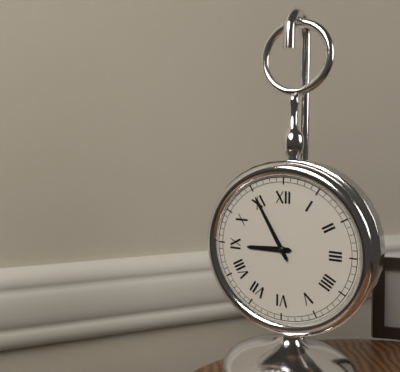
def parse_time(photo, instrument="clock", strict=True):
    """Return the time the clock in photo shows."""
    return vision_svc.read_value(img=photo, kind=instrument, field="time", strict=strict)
8:55
